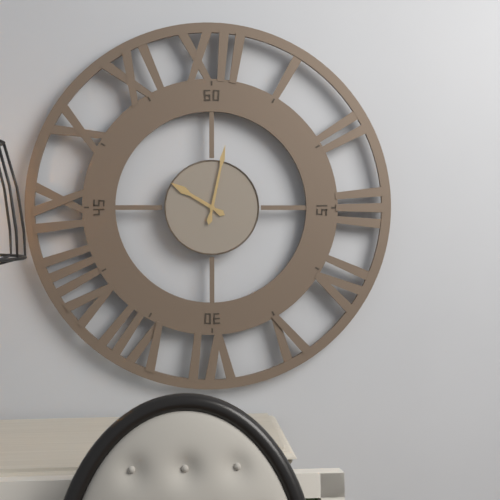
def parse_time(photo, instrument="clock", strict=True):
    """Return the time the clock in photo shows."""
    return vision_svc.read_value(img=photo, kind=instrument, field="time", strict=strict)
10:02
